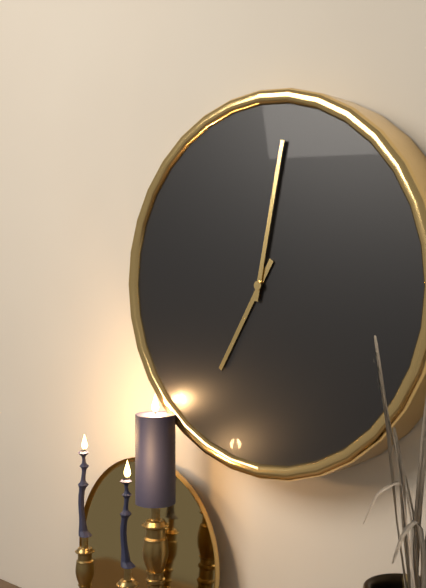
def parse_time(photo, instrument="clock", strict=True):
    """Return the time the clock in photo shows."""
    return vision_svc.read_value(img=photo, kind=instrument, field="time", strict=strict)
7:02
